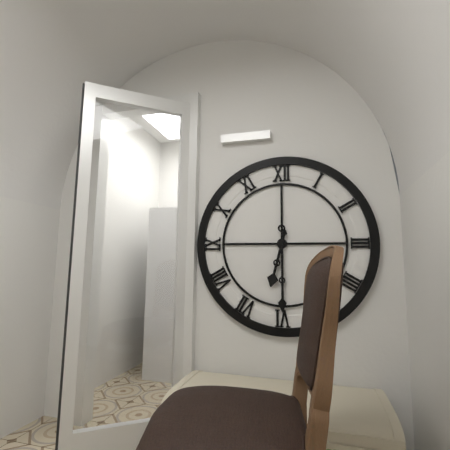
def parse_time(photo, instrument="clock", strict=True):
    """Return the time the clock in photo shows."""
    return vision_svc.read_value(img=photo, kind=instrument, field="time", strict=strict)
6:30
